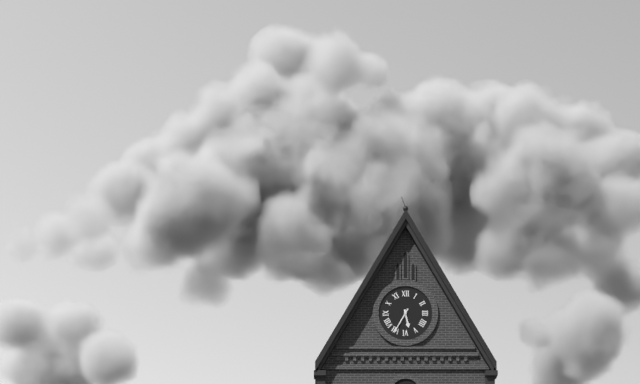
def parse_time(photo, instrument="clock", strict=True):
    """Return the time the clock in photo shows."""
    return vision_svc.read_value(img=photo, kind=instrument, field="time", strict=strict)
5:35
